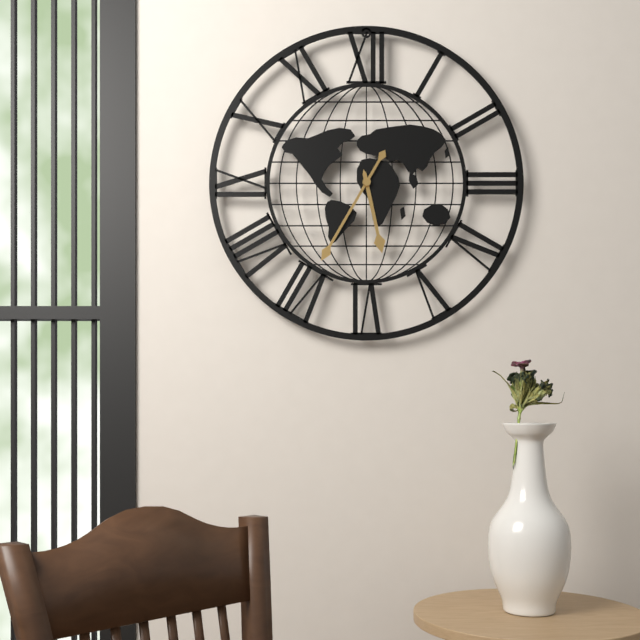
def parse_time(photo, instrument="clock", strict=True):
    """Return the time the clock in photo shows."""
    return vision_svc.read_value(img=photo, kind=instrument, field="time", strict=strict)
5:35
